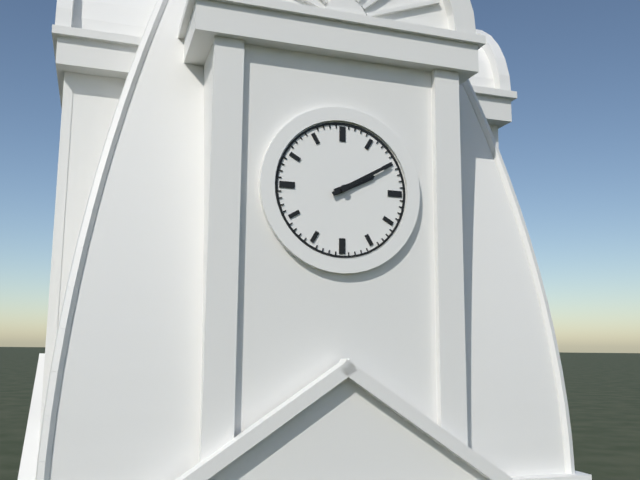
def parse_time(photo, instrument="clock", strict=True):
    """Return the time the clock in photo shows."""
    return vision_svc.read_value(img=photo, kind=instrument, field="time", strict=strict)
2:10
